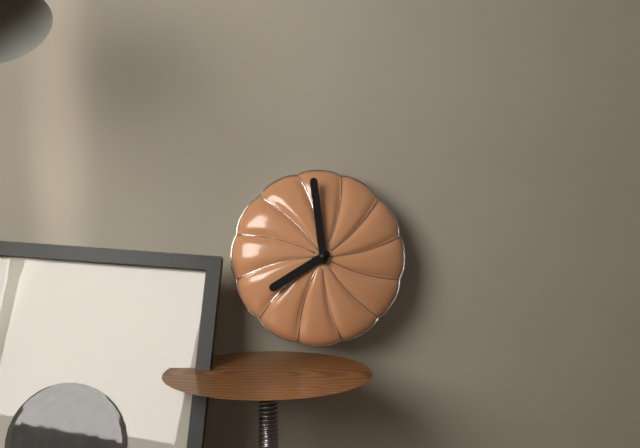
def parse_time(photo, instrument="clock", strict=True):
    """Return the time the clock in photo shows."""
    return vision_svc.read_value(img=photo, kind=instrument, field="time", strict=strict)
7:59
